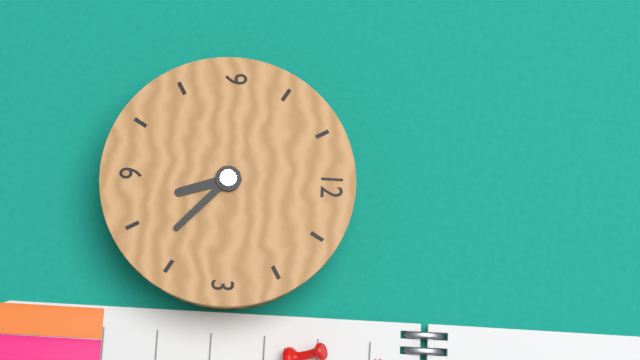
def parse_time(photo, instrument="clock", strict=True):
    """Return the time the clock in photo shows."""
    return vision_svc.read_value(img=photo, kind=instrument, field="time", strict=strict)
5:22
